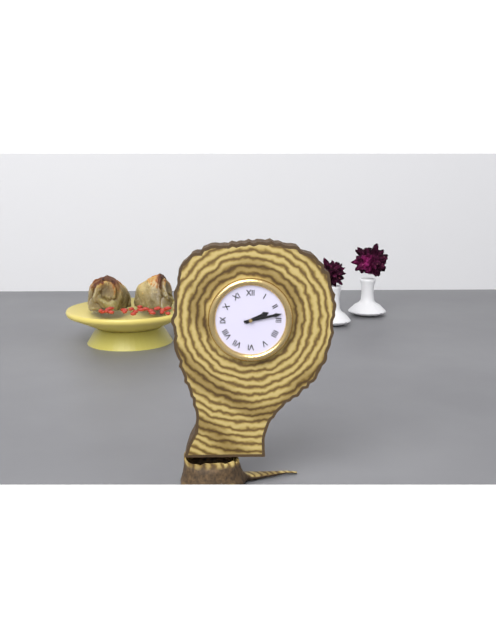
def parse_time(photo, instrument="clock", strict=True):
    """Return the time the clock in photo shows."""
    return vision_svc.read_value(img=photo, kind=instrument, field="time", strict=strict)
2:13
